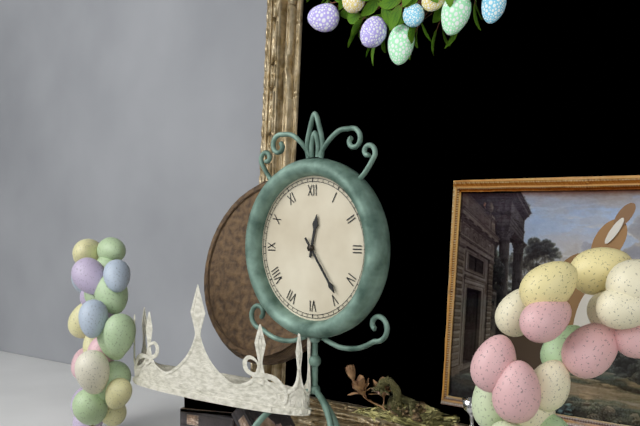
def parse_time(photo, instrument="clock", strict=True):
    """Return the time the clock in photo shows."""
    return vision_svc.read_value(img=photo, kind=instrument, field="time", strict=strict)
12:24
